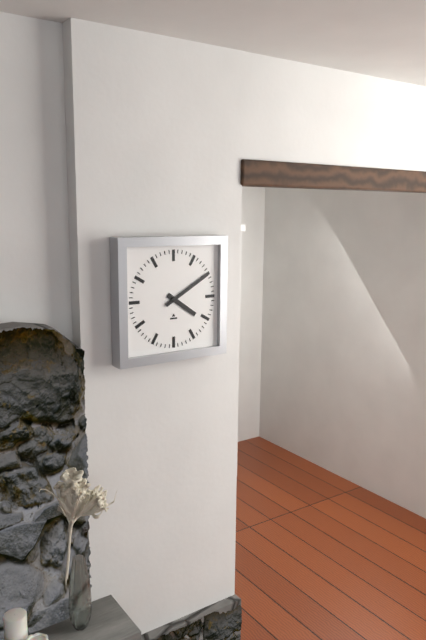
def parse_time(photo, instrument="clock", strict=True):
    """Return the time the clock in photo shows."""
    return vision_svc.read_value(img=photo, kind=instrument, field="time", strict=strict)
4:10
